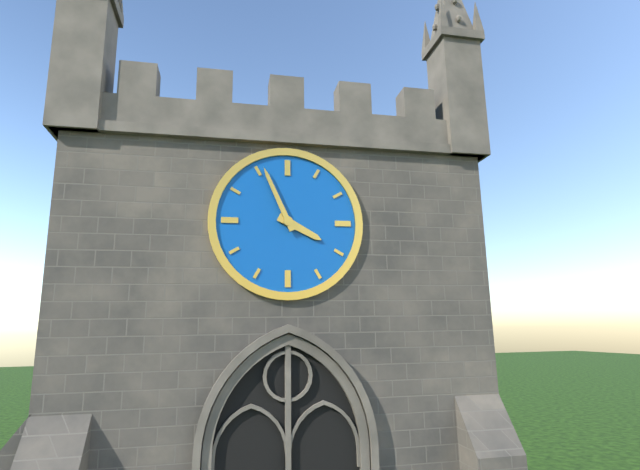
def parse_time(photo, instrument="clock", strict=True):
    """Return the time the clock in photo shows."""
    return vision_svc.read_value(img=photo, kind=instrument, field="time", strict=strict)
3:56
